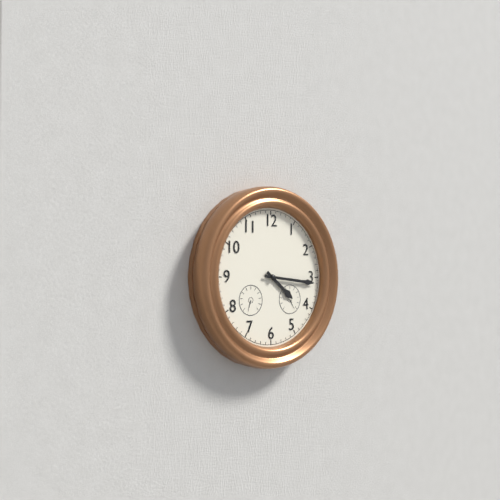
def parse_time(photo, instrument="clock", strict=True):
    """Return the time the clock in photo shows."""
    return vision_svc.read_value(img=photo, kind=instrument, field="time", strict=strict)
4:16
